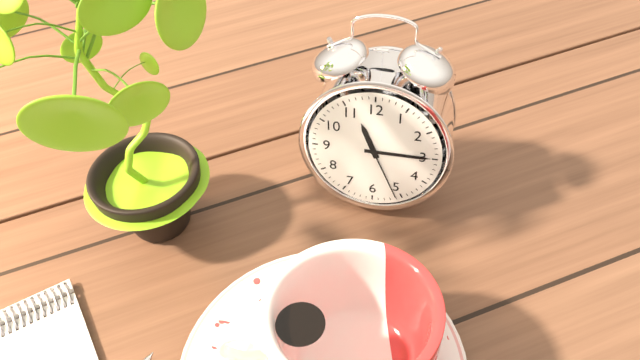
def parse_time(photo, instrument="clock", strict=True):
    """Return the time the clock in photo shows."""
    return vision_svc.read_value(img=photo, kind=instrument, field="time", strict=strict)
11:15:26
